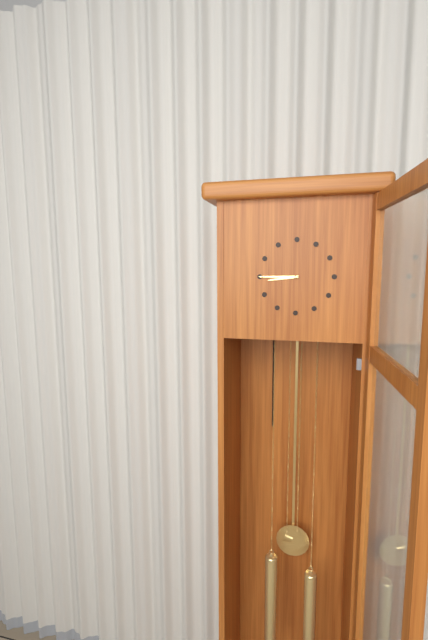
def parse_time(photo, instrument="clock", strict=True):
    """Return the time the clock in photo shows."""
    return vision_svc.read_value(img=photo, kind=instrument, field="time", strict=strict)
8:45
